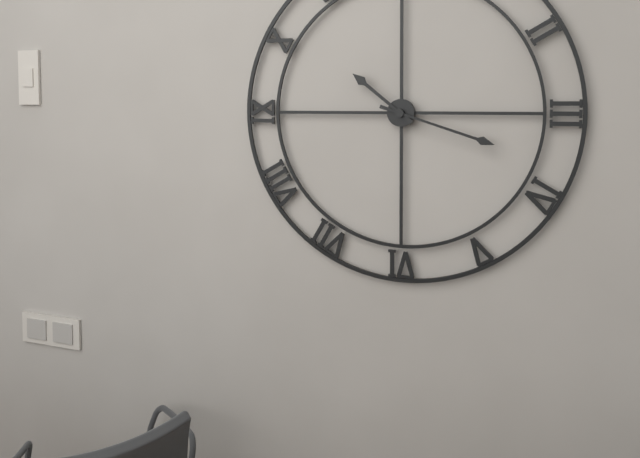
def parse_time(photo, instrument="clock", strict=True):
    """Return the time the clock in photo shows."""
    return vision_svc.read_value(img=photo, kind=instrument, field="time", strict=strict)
10:18
